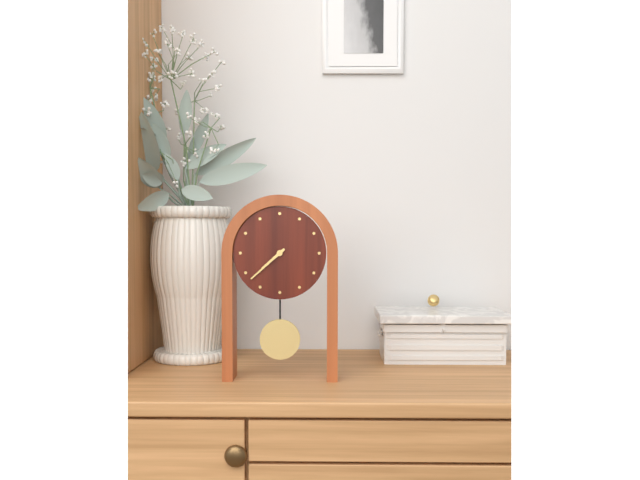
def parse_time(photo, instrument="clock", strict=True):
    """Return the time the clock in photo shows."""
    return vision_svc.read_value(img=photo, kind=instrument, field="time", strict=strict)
7:38
